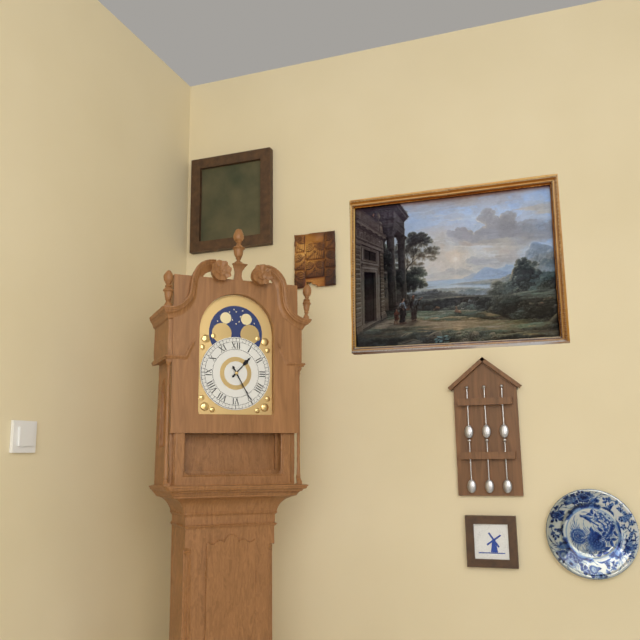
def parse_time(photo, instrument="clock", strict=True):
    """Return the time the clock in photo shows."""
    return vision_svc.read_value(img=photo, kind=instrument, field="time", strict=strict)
1:25
